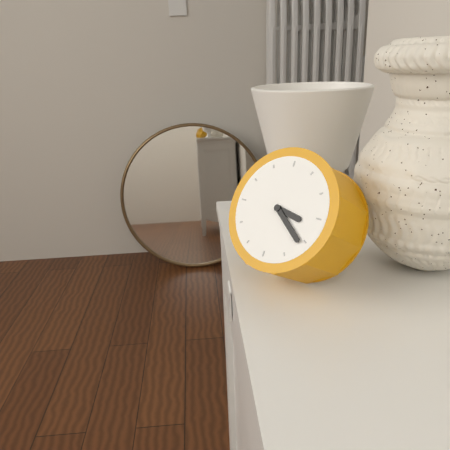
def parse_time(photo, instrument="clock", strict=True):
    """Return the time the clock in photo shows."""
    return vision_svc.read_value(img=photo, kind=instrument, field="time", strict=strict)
3:21
